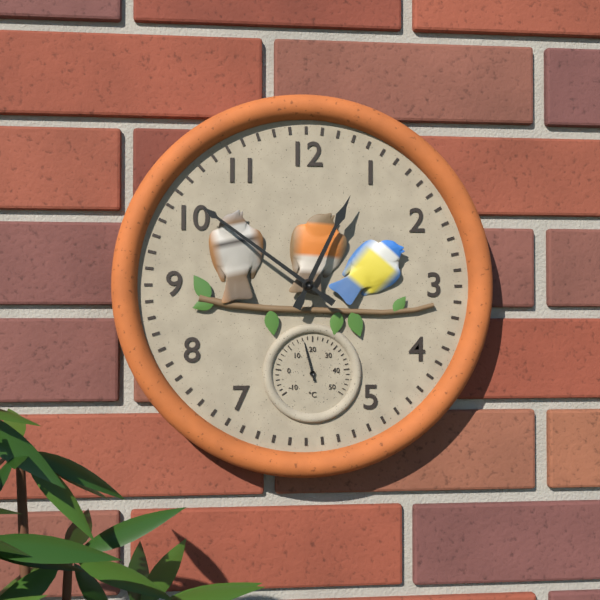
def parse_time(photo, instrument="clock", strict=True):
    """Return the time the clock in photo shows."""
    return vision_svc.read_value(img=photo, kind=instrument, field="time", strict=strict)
12:51
